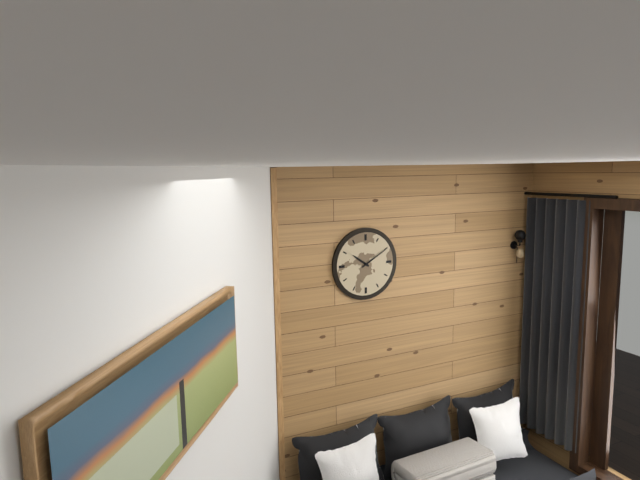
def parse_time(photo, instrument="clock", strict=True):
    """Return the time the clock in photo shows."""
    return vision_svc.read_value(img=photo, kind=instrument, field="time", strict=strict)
10:10
